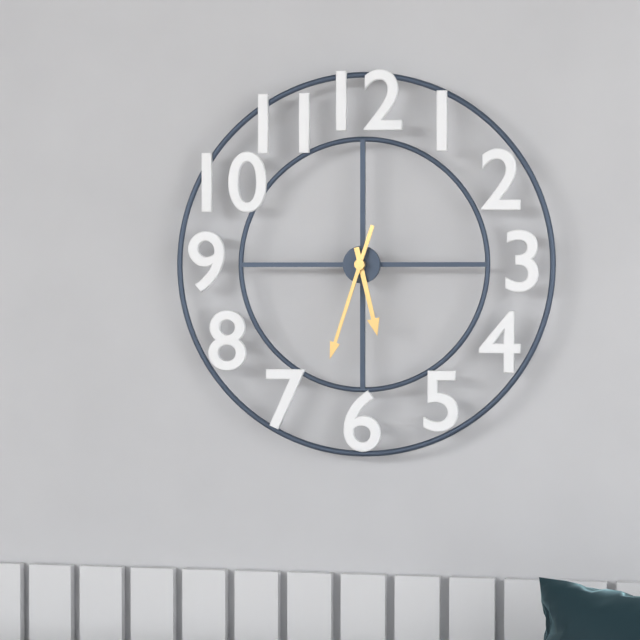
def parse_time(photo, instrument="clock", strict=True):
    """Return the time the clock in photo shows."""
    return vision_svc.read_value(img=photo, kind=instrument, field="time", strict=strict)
5:33
